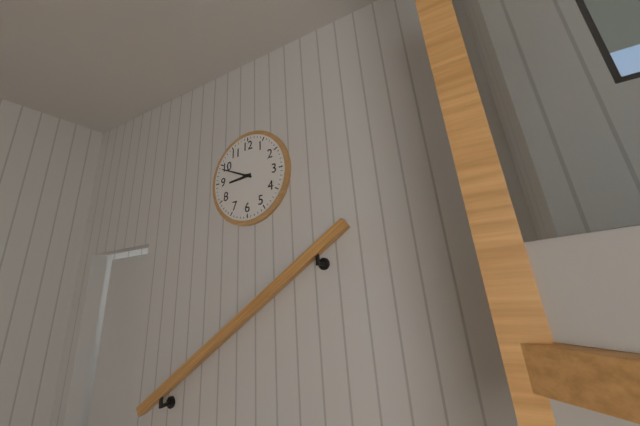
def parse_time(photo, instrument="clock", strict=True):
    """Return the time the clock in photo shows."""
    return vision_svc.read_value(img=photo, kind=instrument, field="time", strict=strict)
8:49
